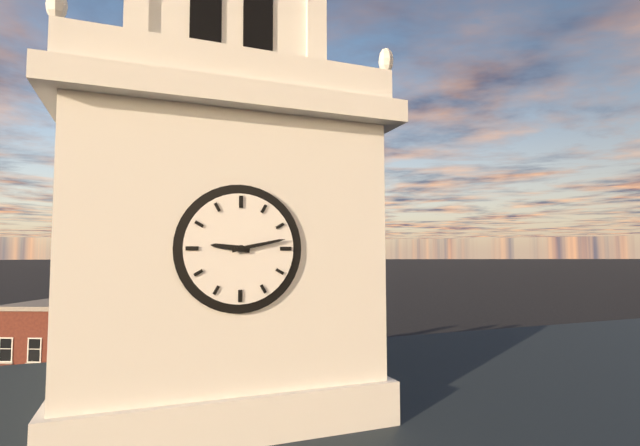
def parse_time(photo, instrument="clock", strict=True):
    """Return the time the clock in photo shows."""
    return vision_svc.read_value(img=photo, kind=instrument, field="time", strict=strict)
9:13
